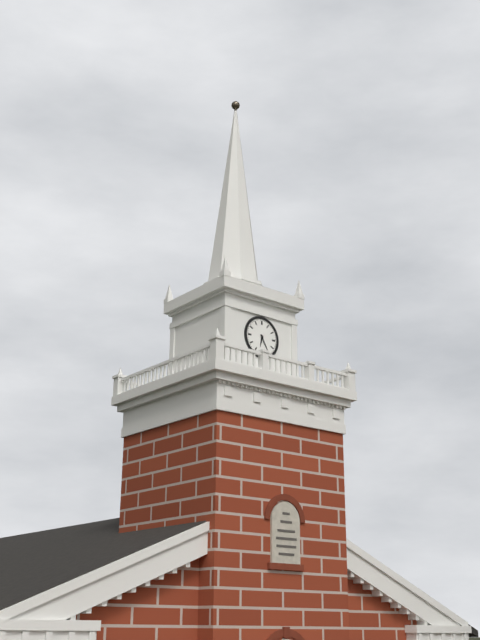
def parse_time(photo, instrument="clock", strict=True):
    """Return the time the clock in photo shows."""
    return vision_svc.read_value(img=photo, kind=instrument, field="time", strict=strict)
6:25
